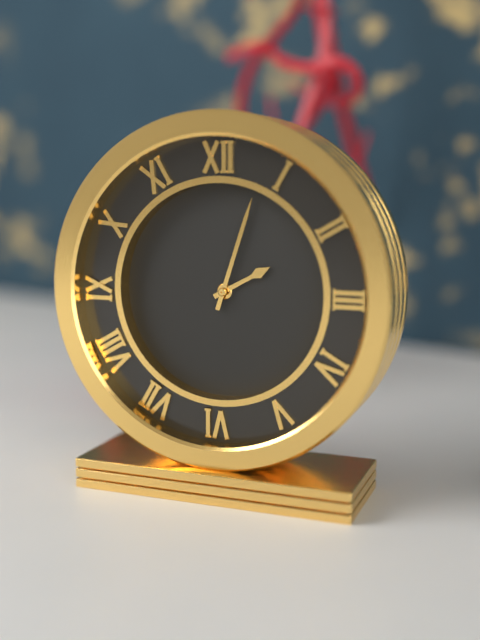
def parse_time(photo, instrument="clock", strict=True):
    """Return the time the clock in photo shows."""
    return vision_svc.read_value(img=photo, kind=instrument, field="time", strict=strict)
2:03
